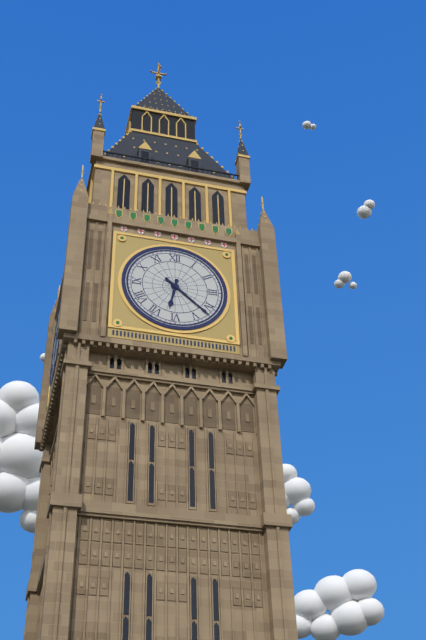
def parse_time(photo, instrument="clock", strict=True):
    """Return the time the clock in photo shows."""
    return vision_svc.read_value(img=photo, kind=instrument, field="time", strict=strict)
6:22
